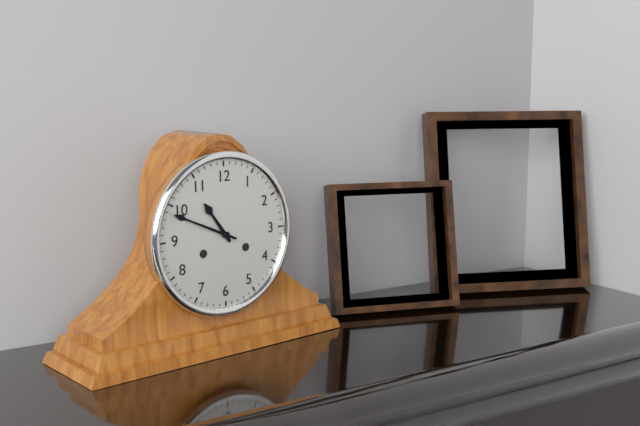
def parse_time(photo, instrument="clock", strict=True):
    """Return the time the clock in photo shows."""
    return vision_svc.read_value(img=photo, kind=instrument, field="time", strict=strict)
10:49
